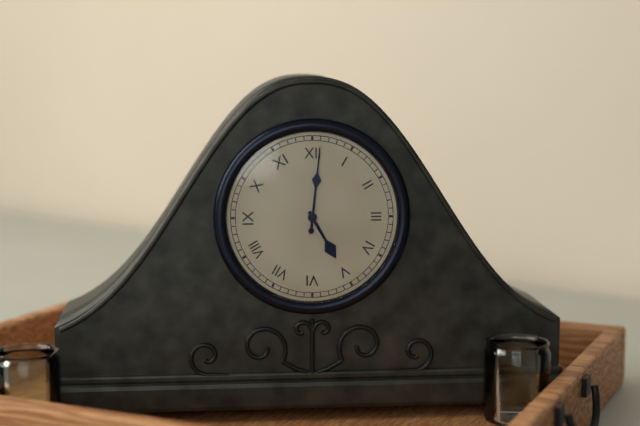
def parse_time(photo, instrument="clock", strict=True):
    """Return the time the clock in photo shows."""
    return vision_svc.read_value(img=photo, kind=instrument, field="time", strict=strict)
5:01
